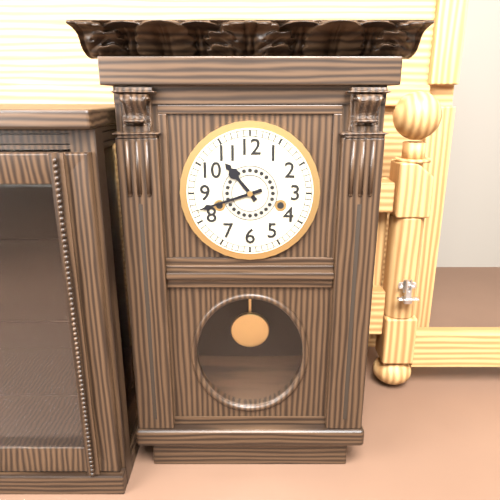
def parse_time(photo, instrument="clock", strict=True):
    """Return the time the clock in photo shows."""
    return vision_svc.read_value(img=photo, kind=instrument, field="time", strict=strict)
10:42
